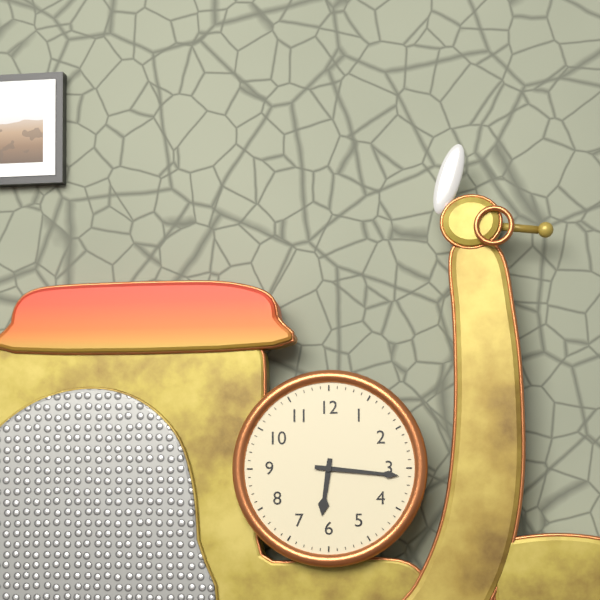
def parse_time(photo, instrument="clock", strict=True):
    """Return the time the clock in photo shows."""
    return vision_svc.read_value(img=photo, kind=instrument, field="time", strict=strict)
6:16
